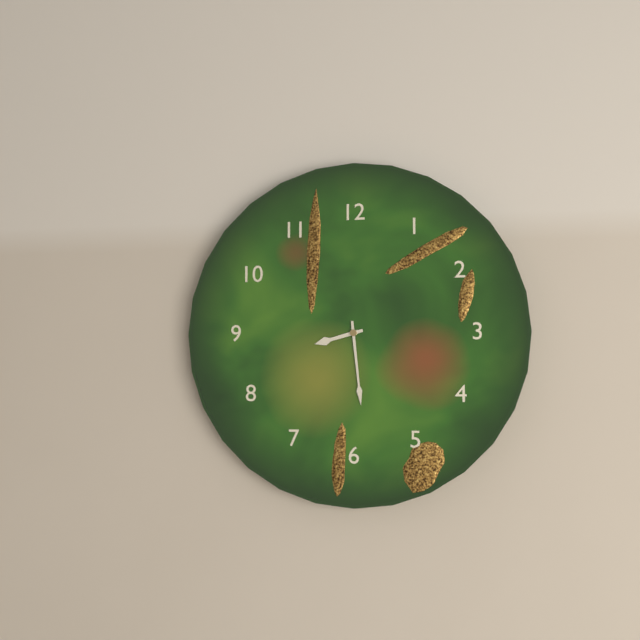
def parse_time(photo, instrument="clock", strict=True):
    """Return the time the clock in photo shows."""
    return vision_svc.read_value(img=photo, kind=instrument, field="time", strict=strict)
8:29
